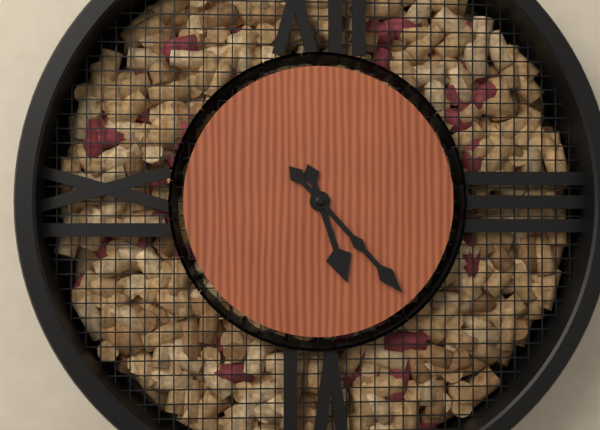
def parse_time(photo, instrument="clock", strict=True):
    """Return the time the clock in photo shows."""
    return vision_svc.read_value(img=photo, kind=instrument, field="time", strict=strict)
5:23
